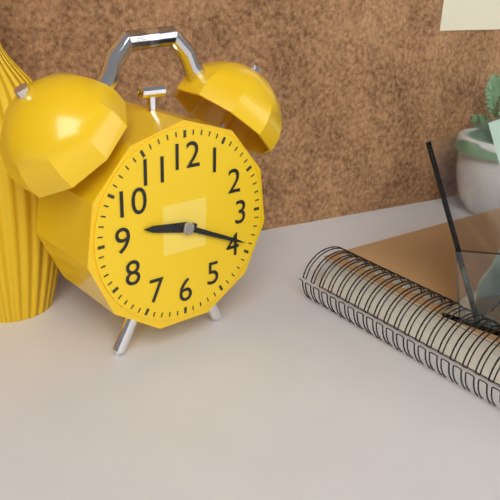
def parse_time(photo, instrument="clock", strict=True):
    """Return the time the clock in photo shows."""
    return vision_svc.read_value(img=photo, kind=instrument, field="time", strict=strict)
9:19
